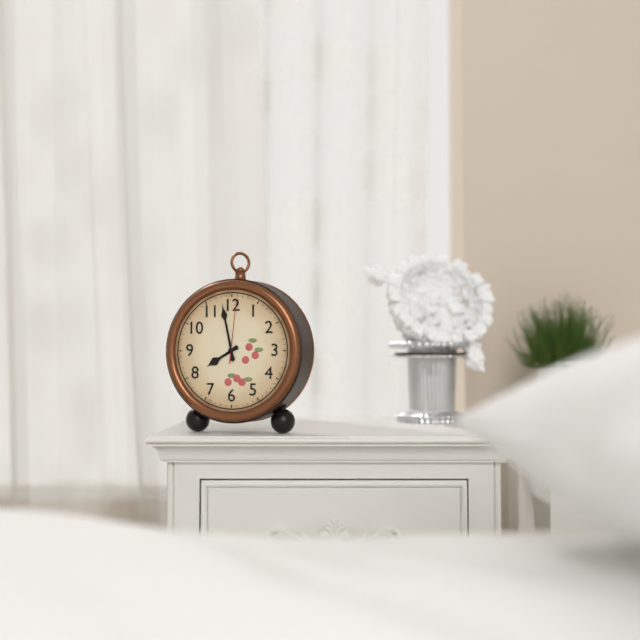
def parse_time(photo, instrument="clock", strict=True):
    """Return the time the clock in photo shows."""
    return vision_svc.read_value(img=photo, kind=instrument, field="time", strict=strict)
7:58:01
